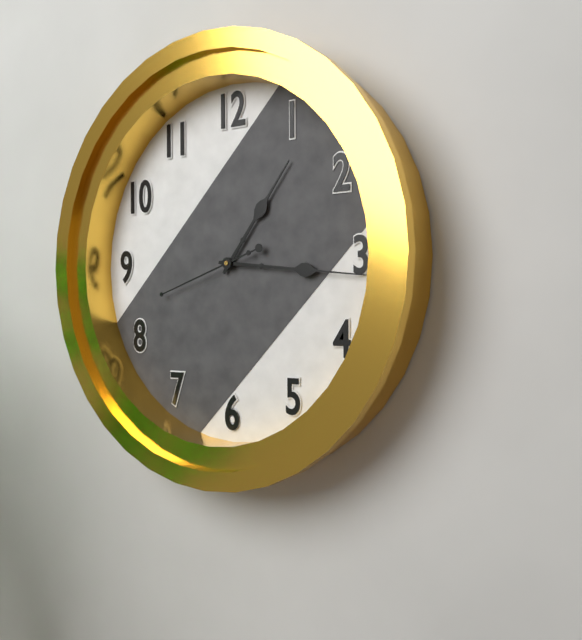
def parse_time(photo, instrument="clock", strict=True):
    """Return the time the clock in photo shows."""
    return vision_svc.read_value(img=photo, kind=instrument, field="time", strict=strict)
1:16:42
